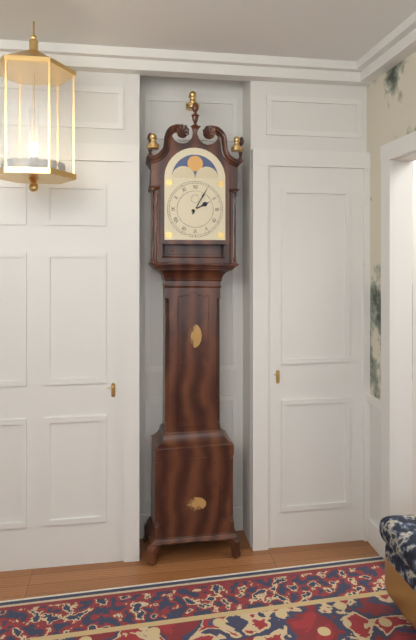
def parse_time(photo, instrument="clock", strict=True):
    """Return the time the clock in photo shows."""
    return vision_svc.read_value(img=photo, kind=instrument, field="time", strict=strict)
2:05
